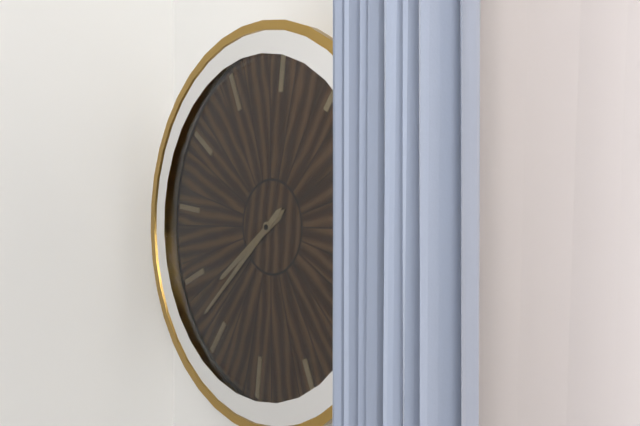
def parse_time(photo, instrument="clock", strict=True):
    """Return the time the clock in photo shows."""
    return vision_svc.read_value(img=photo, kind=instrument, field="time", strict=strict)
7:37
